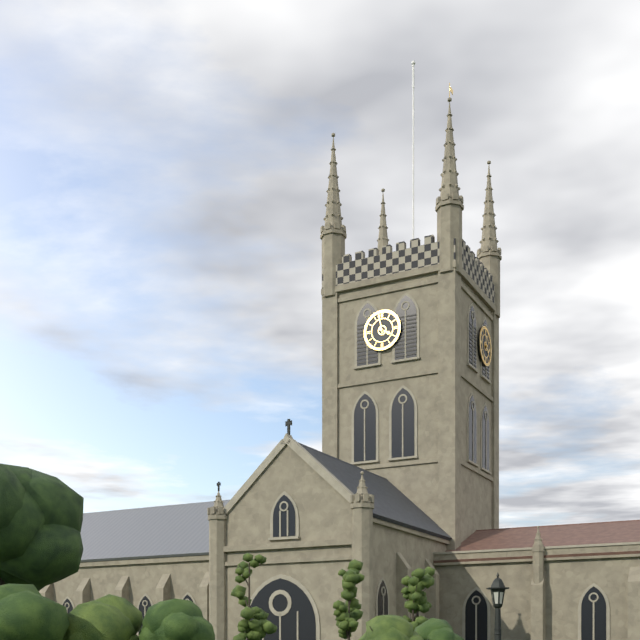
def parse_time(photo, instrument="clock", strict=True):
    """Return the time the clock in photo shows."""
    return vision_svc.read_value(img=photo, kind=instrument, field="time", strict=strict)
3:58
